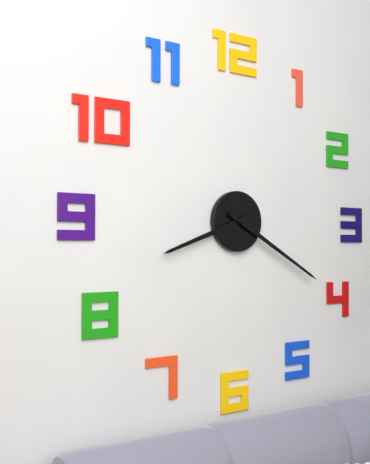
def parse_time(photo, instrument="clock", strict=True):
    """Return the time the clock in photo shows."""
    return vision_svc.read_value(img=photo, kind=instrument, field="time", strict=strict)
8:20
